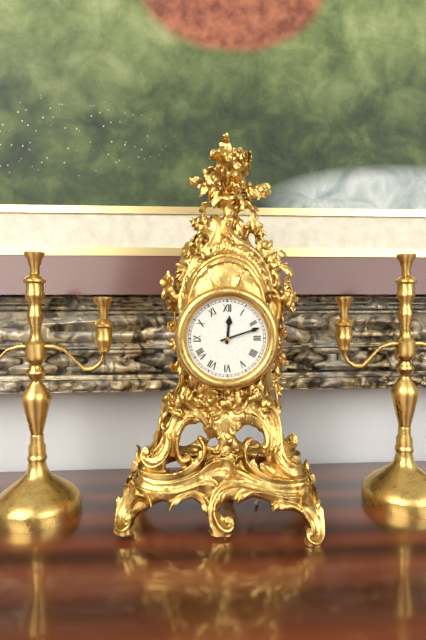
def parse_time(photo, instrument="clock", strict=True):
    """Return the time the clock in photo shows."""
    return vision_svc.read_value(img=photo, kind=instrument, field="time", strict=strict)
12:12
